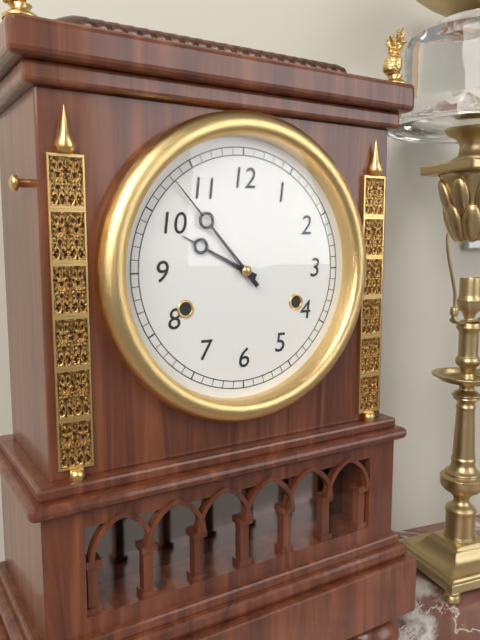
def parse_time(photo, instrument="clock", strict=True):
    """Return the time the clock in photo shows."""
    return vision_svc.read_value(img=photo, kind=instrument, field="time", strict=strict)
9:53
